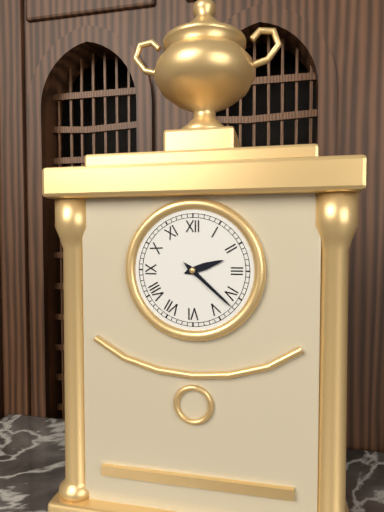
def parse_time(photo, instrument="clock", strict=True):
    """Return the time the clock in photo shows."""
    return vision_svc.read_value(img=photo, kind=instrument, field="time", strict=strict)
2:22
